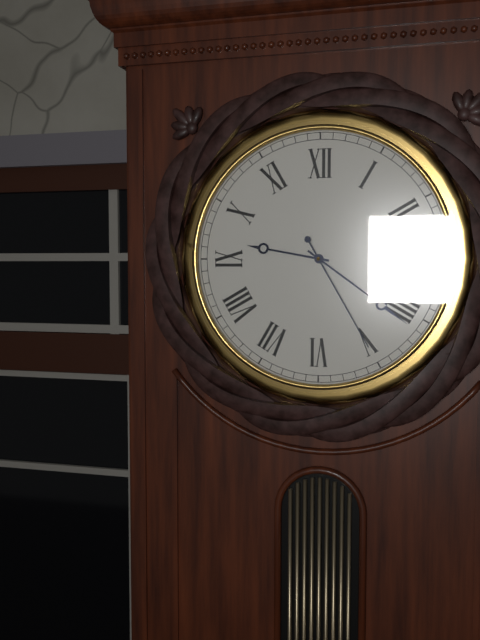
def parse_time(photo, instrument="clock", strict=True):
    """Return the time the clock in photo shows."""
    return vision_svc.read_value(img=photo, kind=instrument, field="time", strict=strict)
9:21:25
